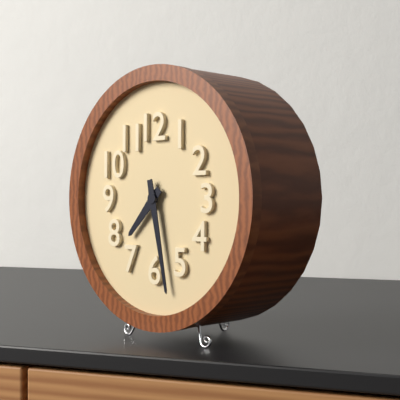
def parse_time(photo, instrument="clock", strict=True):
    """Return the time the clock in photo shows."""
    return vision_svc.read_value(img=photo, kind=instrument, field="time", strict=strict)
7:28
